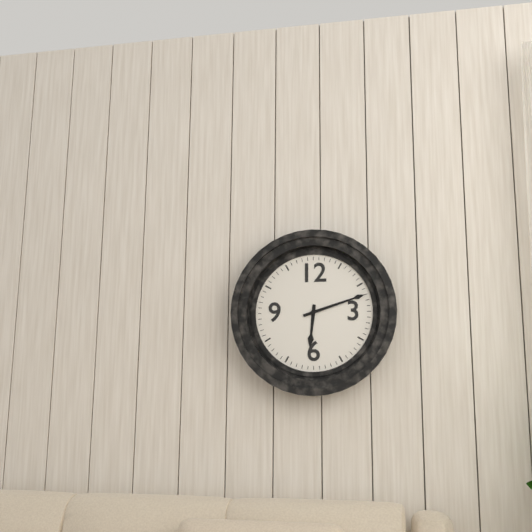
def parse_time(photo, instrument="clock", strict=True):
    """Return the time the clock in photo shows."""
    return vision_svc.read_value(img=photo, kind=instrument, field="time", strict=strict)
6:12
